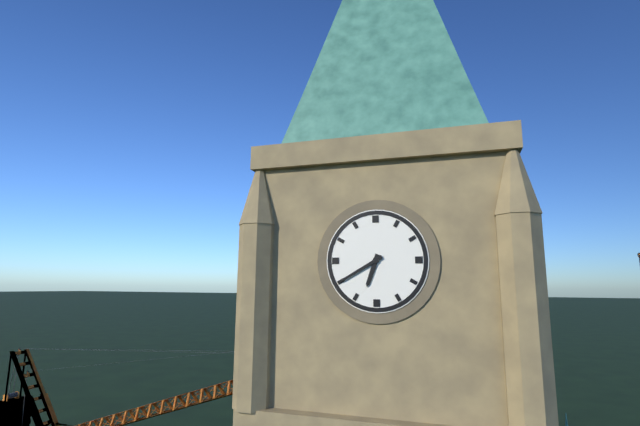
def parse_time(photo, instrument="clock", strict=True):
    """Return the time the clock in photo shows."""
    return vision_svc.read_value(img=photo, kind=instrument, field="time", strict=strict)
6:40
